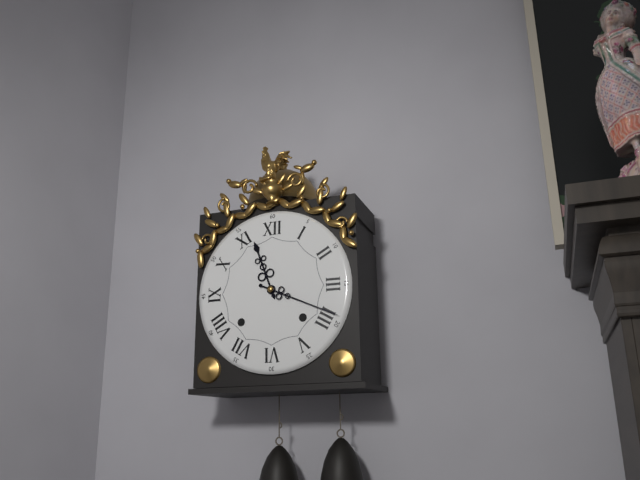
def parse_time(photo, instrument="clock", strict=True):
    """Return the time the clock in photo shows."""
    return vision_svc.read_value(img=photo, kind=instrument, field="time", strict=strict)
11:19
